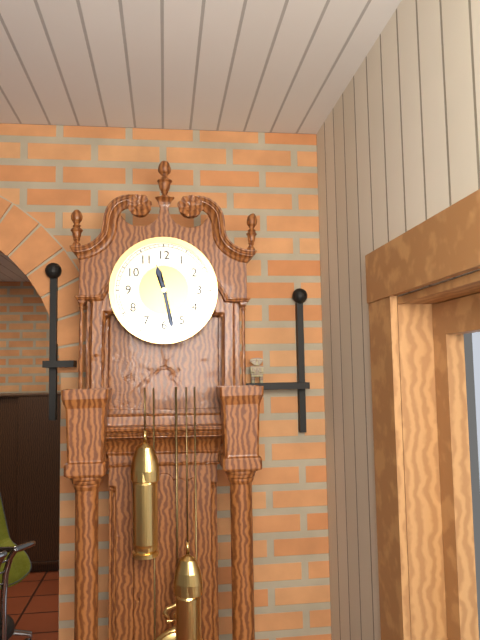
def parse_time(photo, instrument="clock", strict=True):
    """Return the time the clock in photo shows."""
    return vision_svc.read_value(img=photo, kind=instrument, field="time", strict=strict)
11:28
